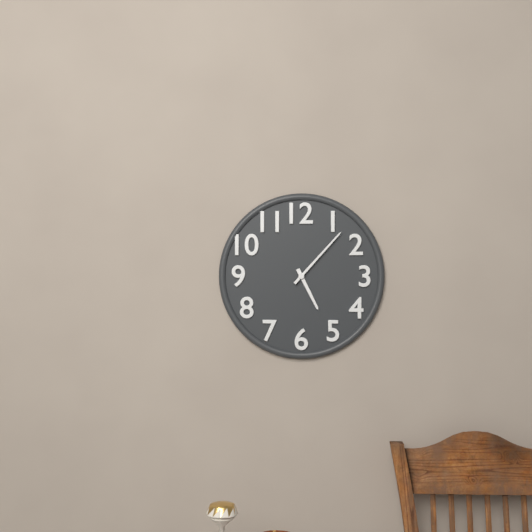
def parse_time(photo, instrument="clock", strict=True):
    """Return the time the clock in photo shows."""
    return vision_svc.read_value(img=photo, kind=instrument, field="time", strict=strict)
5:07
